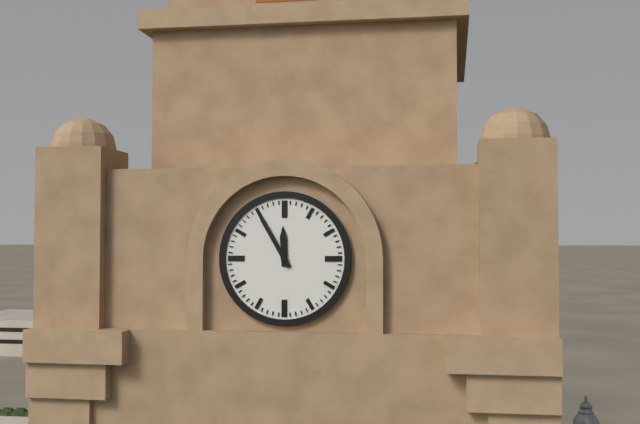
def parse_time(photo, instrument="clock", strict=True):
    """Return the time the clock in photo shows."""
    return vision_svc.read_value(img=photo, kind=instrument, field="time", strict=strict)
11:55
